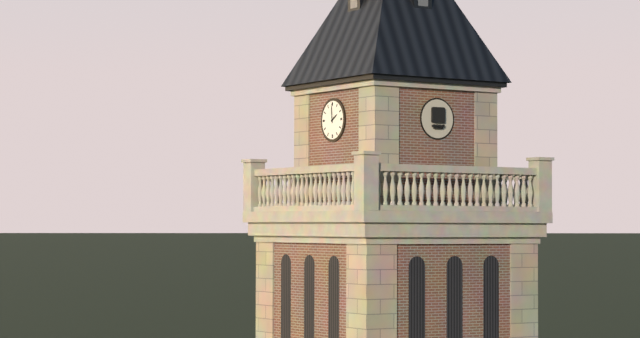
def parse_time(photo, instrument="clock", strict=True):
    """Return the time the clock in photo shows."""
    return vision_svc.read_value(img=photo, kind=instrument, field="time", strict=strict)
1:59
